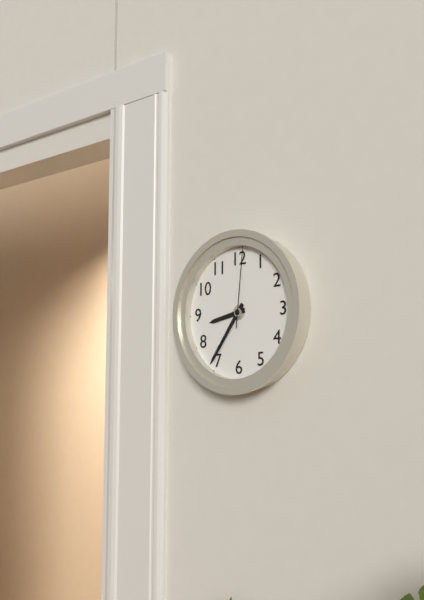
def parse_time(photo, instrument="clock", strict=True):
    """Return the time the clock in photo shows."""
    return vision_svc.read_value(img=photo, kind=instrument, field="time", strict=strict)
8:36:01
